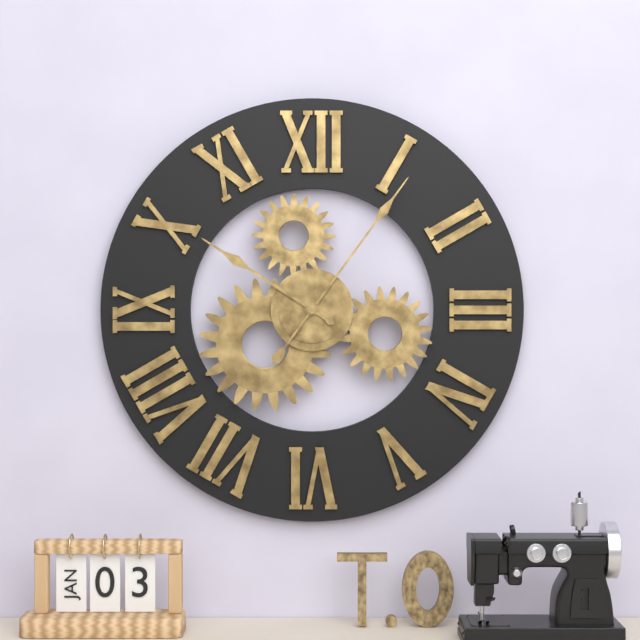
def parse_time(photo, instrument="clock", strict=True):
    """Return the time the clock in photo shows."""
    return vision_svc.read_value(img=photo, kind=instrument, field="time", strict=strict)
10:06
